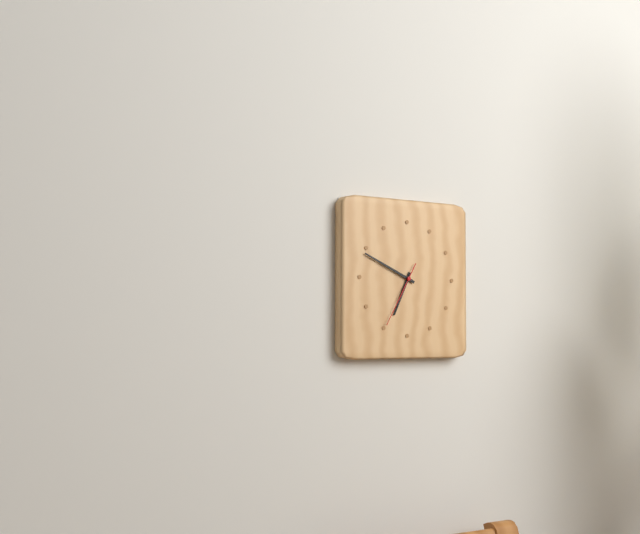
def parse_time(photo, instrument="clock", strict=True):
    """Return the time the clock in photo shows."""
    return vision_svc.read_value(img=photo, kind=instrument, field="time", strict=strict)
6:49:35
